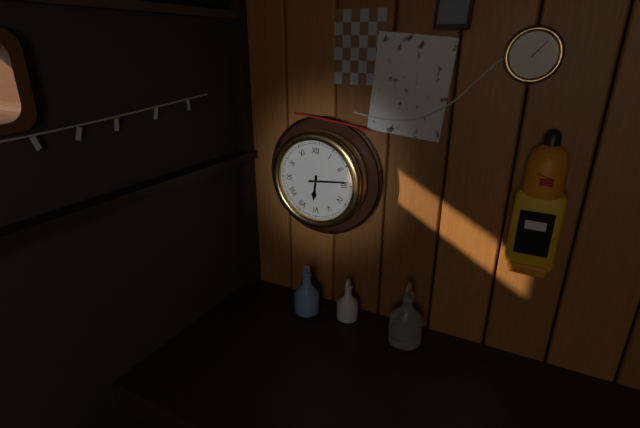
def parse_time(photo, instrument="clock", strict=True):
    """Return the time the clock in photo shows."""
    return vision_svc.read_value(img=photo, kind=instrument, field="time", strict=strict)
6:14
